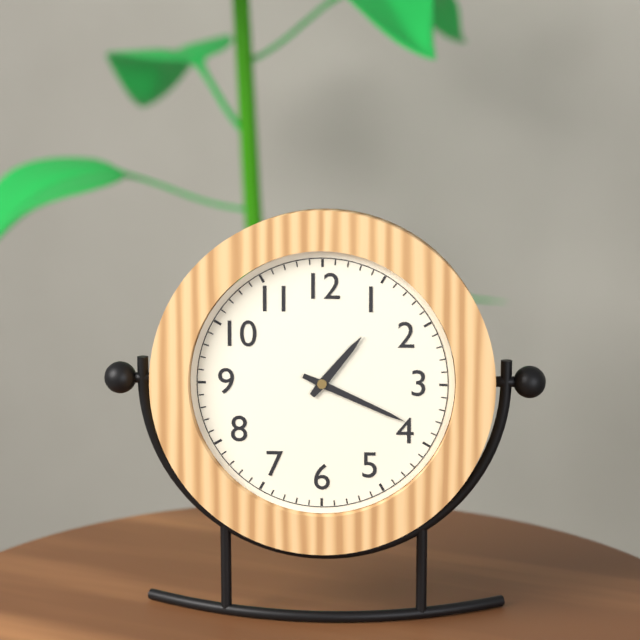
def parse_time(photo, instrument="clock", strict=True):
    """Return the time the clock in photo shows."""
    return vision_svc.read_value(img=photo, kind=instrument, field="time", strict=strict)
1:19
